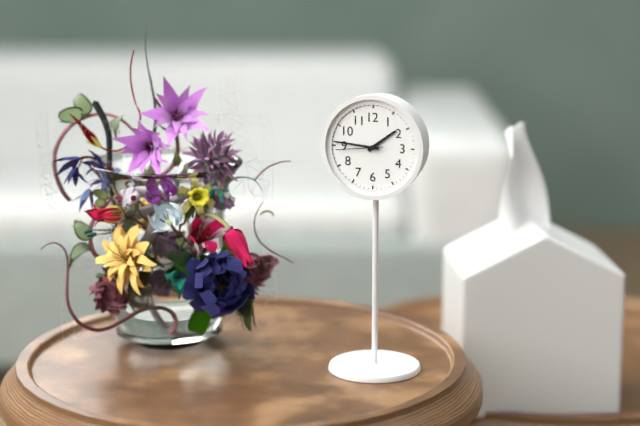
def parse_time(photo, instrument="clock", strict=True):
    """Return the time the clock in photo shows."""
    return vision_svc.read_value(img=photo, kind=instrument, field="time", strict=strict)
1:46
